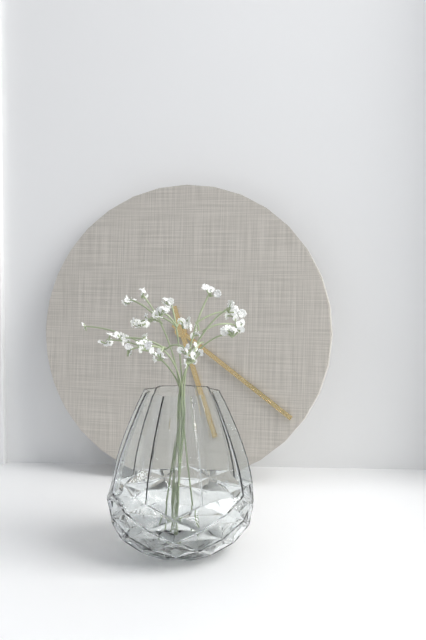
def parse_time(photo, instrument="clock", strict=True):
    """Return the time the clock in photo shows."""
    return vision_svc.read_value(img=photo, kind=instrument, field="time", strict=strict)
5:21
